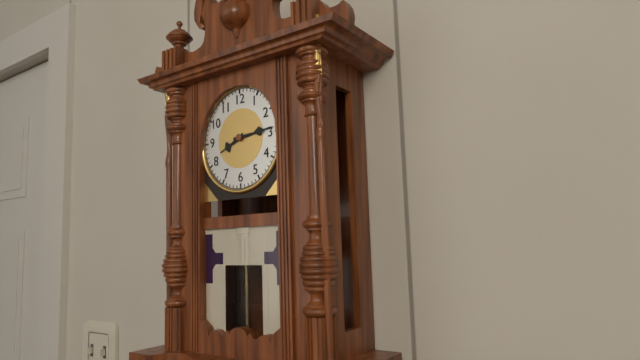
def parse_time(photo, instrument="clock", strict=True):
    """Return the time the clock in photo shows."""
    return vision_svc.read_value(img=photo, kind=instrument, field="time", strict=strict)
8:14
